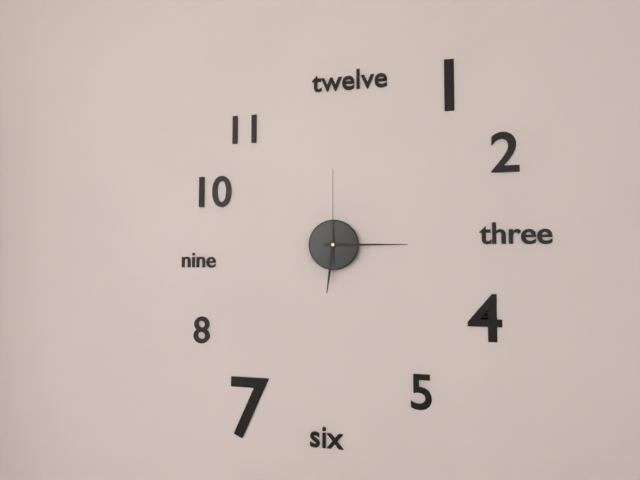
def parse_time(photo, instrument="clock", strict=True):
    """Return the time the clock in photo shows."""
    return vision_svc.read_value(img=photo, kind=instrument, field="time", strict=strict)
6:15:00
